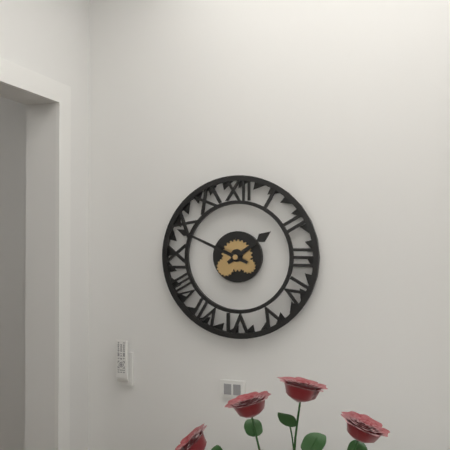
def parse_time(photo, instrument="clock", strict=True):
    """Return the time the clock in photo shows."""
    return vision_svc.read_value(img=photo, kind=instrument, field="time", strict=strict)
1:49
